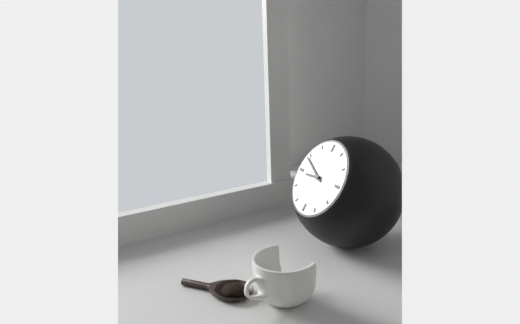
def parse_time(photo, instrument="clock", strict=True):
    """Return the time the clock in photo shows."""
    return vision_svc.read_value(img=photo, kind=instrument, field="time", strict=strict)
8:49
